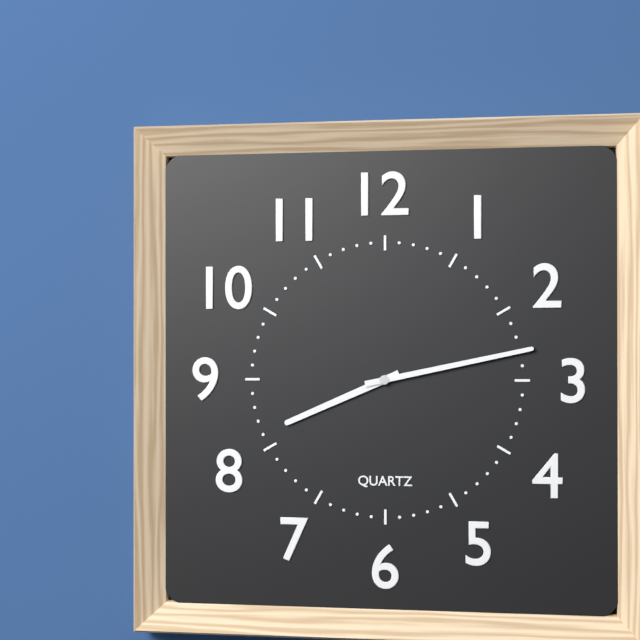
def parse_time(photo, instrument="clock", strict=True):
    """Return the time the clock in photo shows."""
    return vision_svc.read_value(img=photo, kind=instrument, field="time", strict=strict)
8:13
